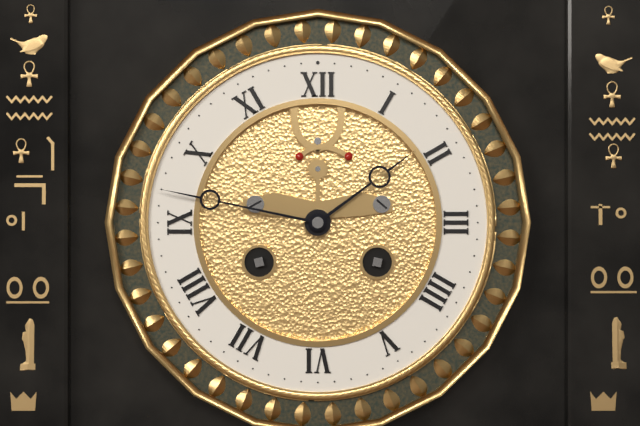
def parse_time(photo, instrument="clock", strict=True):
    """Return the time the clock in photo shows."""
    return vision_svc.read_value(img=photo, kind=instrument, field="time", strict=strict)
1:47
